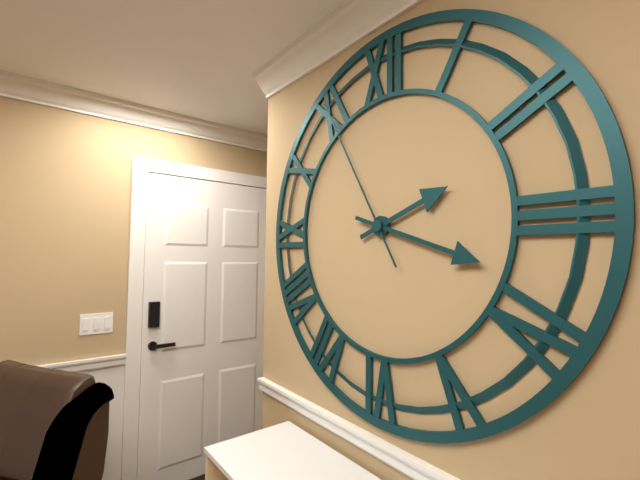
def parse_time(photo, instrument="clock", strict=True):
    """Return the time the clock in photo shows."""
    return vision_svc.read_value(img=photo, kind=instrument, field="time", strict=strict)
2:18:55
